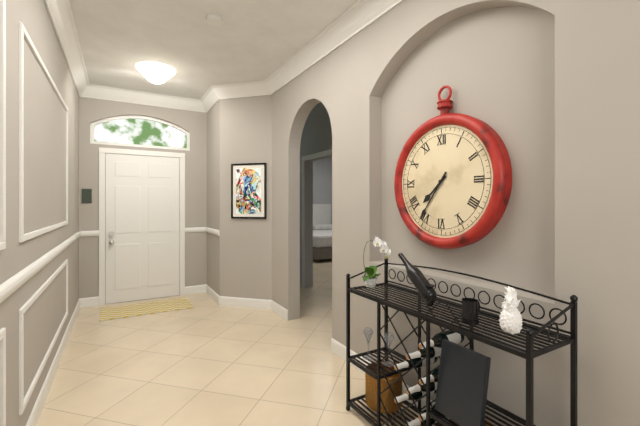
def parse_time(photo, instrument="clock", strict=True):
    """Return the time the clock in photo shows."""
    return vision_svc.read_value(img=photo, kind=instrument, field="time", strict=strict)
7:36
